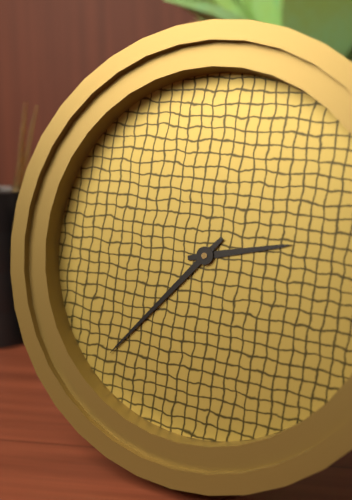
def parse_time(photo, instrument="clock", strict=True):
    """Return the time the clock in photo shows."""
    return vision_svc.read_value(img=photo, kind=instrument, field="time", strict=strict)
2:37
